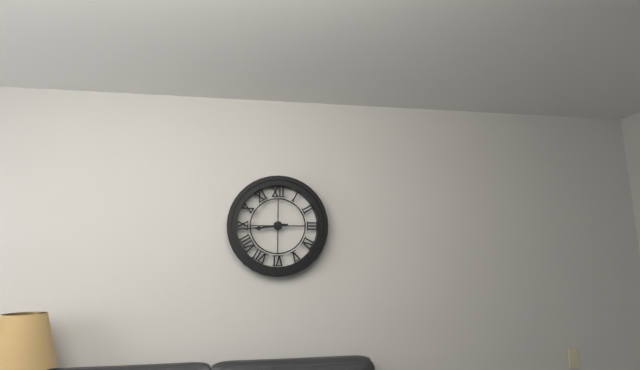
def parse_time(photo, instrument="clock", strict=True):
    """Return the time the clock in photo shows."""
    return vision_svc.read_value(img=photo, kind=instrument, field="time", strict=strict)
8:44
